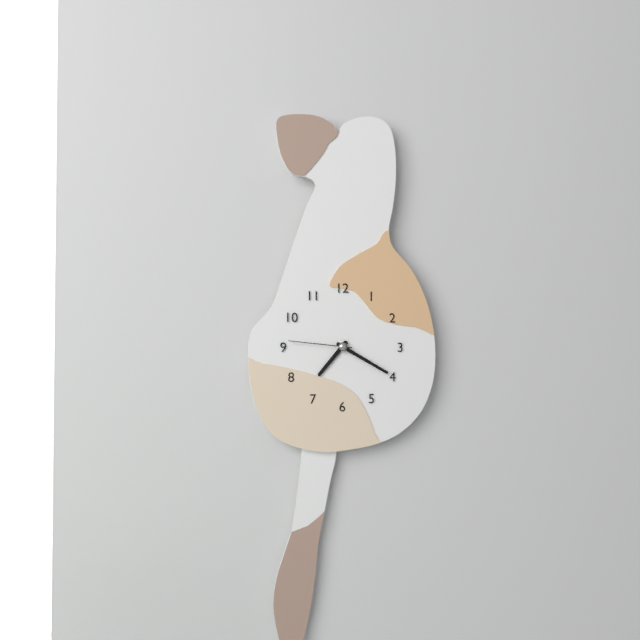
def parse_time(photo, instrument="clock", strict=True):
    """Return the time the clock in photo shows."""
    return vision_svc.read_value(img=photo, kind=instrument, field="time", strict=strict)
7:20:46
